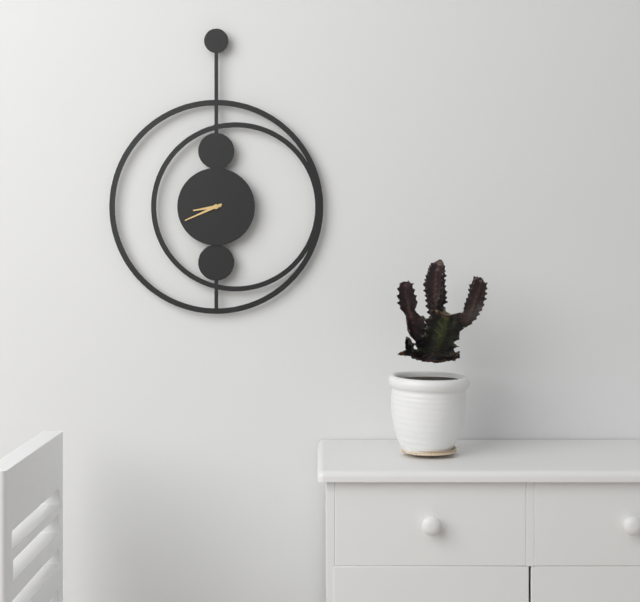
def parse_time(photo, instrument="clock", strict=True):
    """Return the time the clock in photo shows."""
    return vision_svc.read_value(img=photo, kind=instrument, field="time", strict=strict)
8:41
